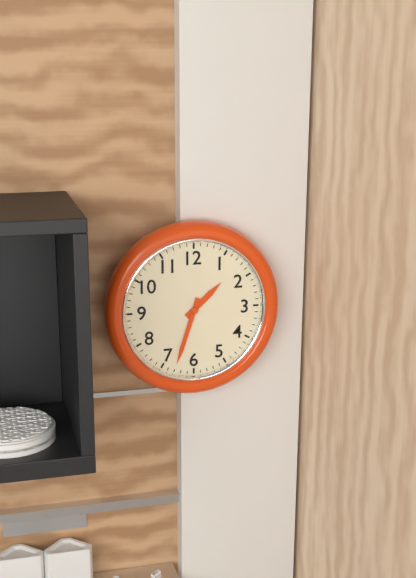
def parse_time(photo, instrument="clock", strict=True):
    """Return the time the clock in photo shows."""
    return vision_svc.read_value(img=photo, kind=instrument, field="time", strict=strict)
1:33
